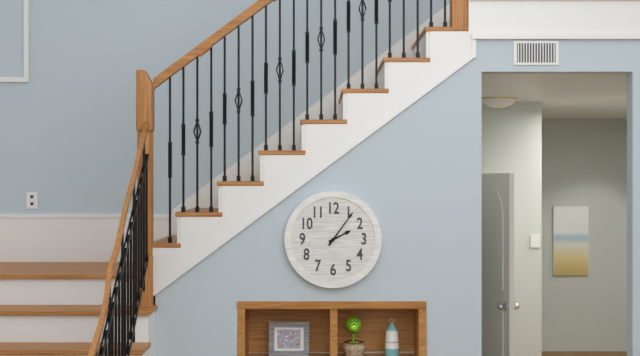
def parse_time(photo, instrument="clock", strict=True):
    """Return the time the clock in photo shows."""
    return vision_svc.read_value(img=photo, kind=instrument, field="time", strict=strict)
2:06
